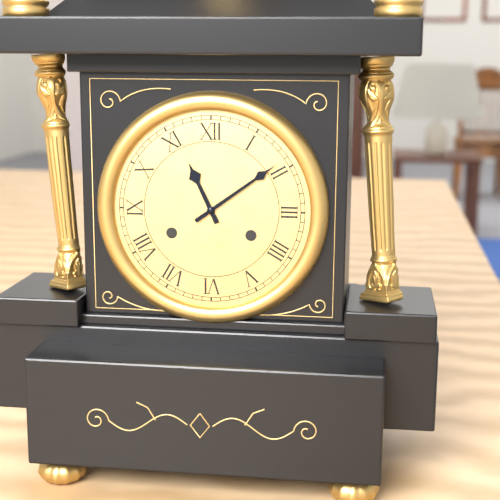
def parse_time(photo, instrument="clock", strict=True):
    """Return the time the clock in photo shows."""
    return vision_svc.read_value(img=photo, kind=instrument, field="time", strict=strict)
11:09
